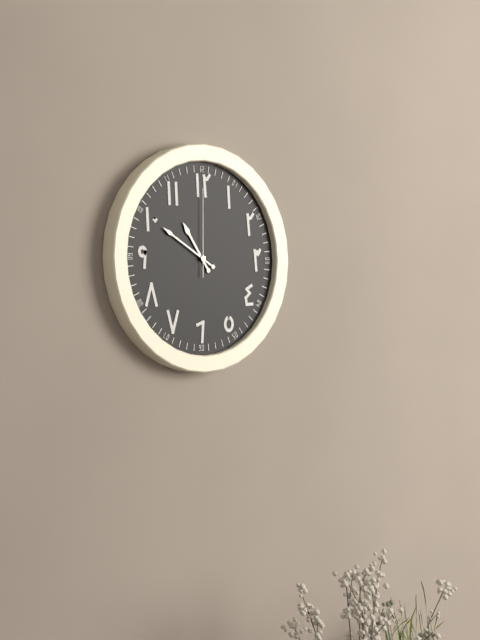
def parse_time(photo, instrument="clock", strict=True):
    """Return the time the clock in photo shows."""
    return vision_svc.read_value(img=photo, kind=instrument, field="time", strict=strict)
10:50:00
